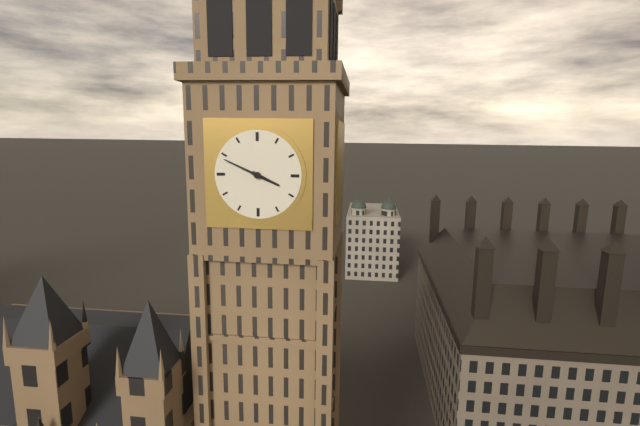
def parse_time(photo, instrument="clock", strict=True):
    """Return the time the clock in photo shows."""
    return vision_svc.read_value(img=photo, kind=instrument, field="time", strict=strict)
3:49
